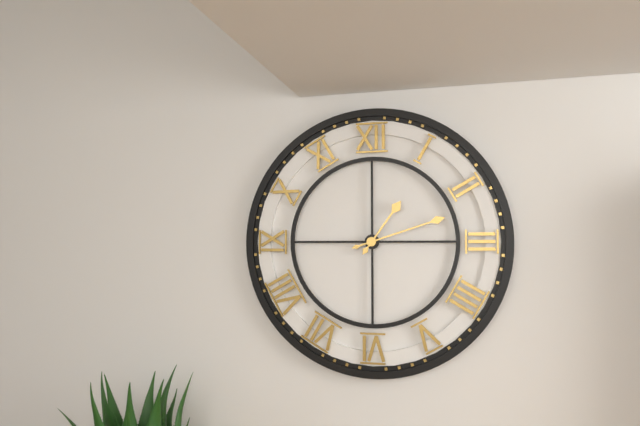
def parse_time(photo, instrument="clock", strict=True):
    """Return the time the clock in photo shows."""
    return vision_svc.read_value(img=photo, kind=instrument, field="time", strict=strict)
1:12
